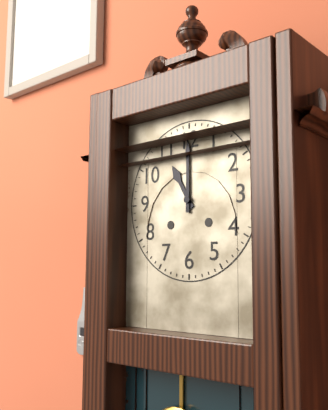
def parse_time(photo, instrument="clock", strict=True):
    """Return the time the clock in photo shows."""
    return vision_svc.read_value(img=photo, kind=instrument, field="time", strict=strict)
11:00
